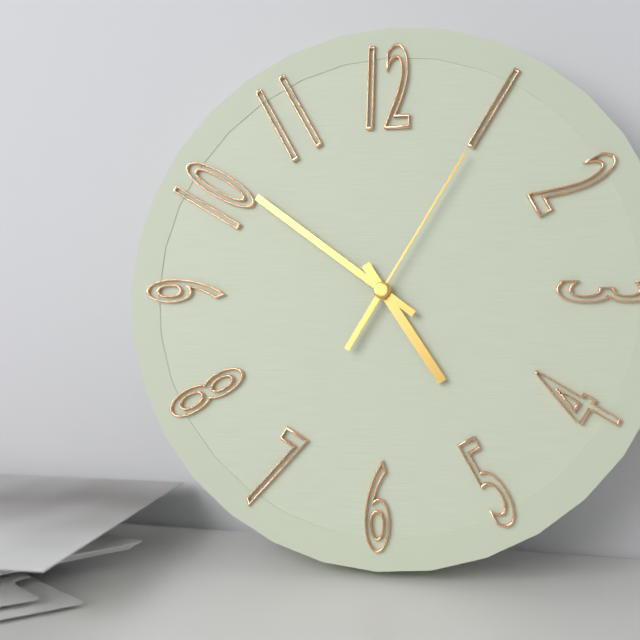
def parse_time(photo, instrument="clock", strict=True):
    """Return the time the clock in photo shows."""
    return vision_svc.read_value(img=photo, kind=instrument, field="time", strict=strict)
4:51:05
